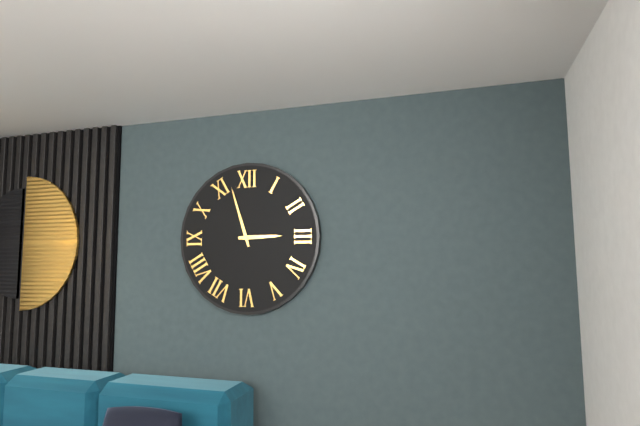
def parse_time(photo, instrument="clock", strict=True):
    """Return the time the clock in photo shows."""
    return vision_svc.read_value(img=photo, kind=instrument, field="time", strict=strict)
2:57
